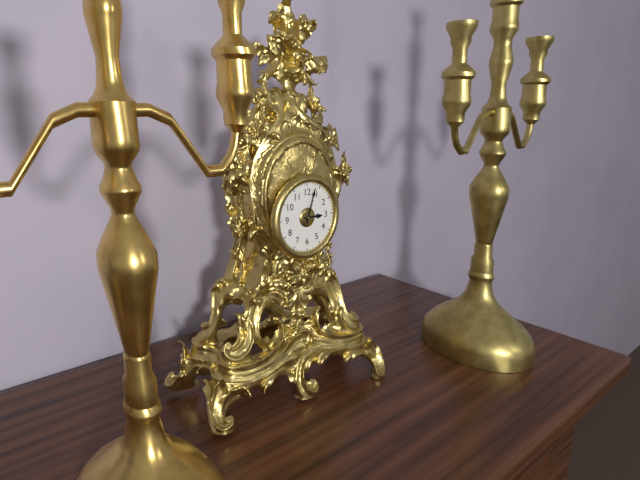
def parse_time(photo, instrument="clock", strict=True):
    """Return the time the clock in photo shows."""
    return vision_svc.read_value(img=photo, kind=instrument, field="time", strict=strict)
3:03
